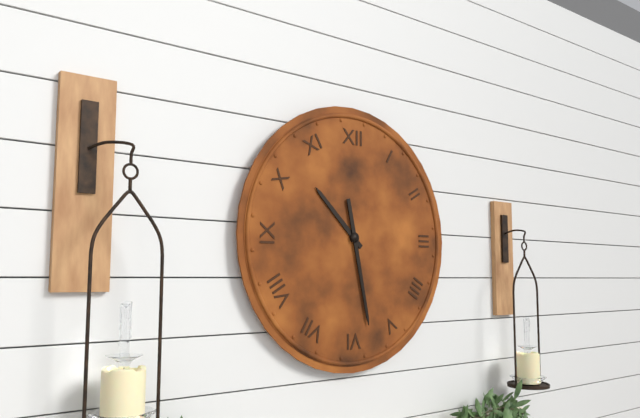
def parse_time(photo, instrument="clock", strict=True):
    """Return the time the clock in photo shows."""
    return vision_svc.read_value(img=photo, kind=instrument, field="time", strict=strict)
10:28
